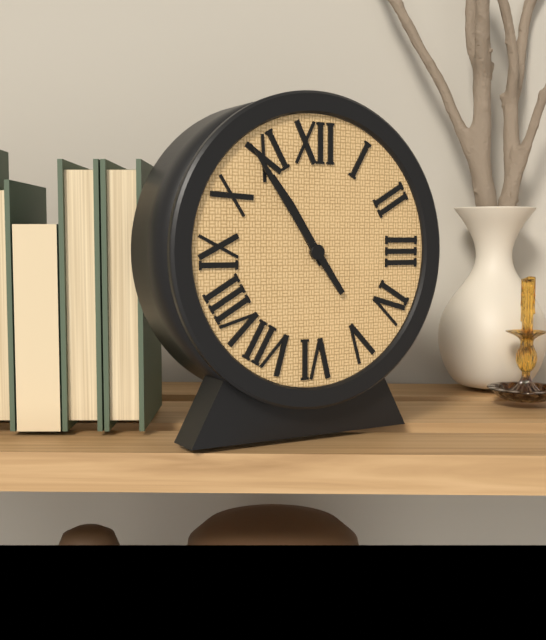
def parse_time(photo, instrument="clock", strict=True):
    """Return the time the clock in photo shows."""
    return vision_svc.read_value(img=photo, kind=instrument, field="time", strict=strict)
10:54
